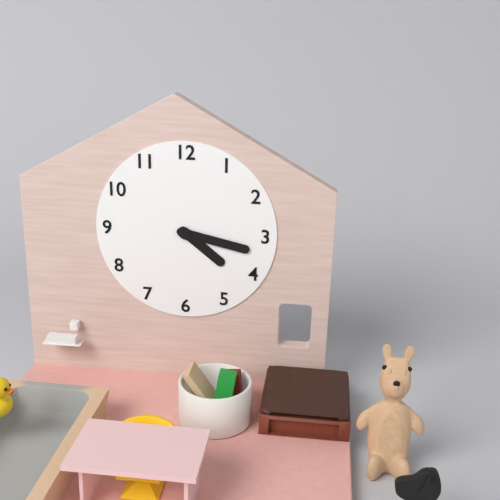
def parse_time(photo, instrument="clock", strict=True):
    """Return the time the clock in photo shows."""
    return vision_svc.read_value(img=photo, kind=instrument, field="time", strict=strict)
4:17
